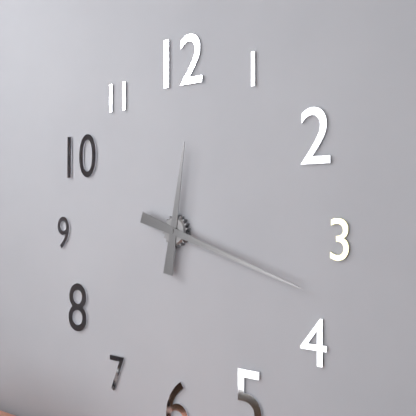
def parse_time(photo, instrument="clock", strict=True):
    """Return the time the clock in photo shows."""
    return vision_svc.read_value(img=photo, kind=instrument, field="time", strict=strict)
12:18
